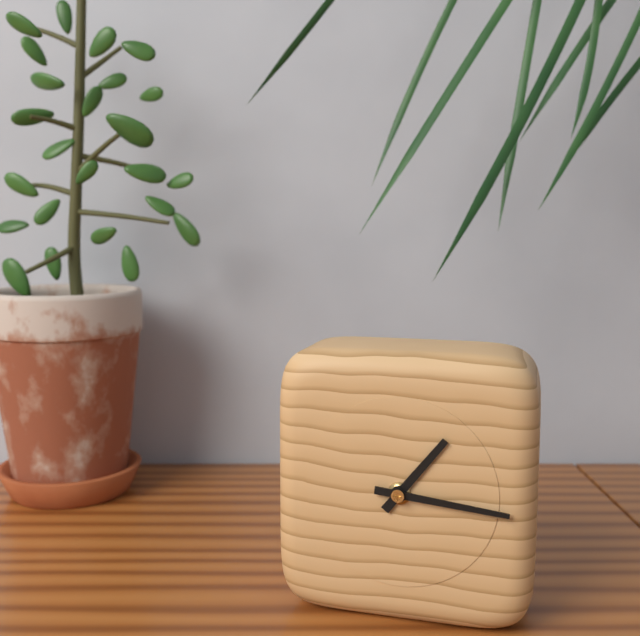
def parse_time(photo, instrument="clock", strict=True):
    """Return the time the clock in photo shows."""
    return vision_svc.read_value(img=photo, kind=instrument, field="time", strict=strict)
1:16
